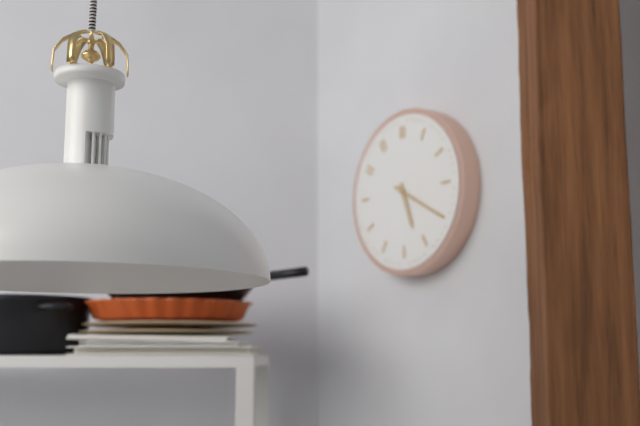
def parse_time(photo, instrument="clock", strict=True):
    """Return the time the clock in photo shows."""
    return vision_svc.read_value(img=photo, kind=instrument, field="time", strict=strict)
5:20
